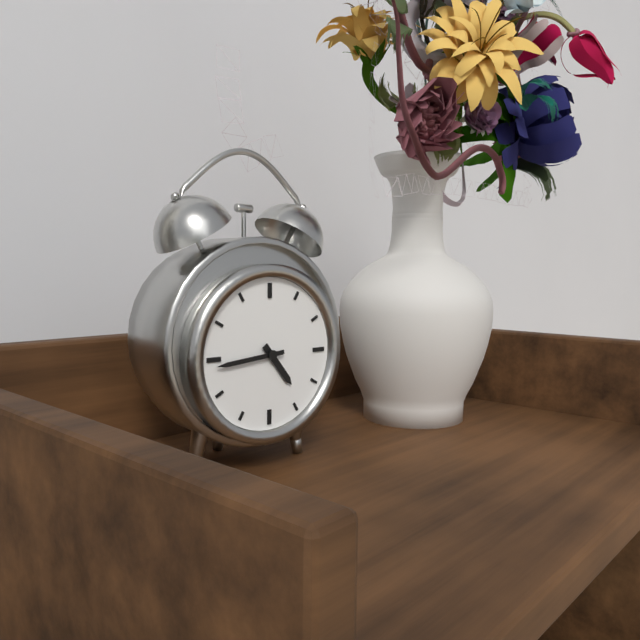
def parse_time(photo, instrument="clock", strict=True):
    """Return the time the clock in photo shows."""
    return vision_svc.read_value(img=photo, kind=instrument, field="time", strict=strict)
4:44
